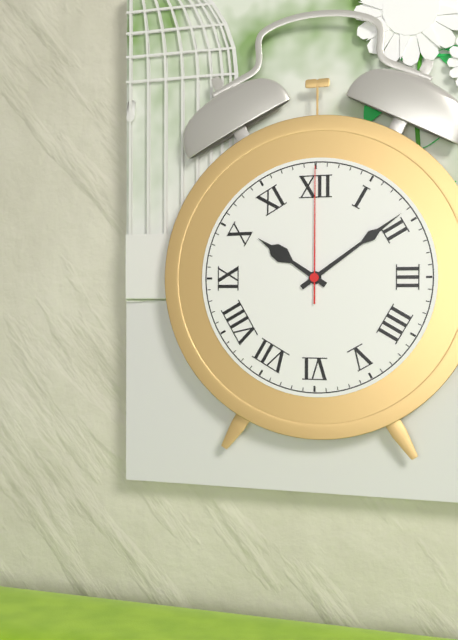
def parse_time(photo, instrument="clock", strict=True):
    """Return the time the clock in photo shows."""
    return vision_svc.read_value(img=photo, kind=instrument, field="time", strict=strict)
10:09:00
